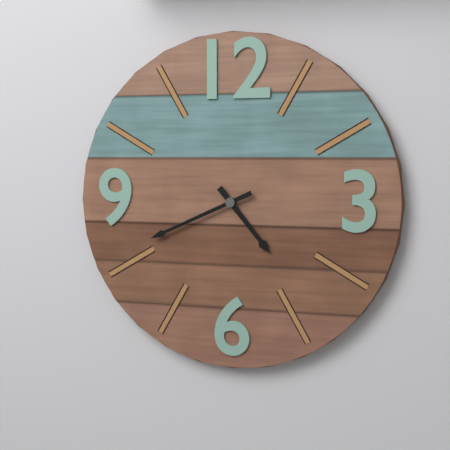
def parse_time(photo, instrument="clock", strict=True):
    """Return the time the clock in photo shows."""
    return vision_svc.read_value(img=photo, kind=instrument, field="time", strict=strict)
4:41
